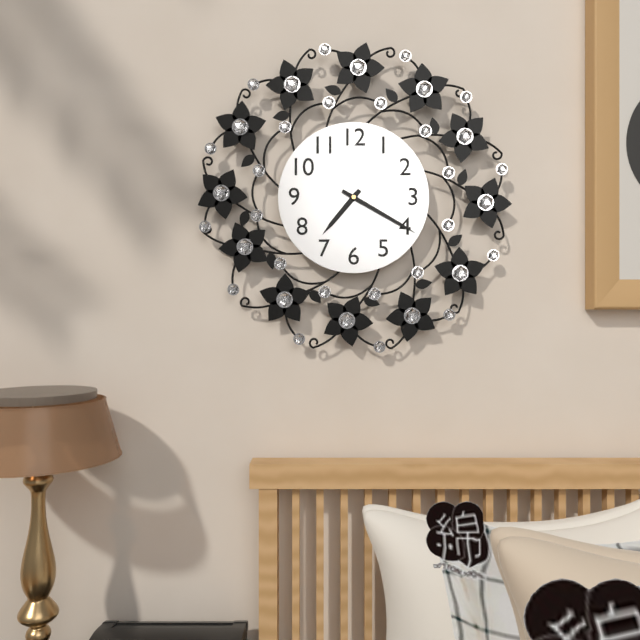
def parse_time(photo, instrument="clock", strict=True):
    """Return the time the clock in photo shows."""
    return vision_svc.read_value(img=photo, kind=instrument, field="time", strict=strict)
7:20
